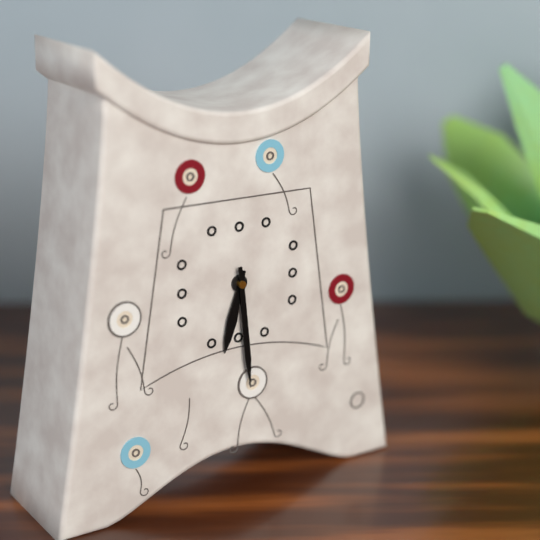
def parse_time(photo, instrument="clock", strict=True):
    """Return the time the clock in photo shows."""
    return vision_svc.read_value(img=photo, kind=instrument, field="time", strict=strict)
6:29
